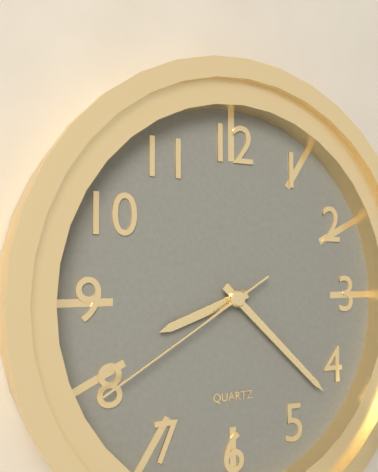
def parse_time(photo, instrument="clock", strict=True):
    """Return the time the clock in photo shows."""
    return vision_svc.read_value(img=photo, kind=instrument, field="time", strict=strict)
8:22:40
